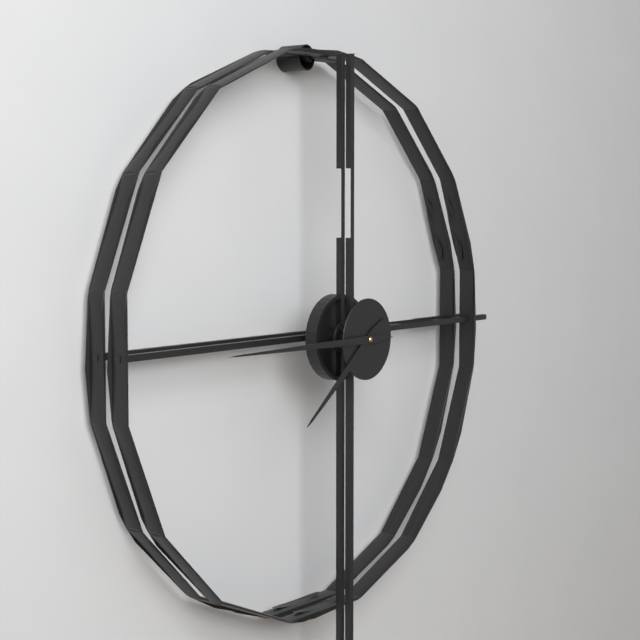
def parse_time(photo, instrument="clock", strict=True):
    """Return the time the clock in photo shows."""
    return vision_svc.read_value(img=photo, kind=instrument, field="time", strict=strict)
7:45
